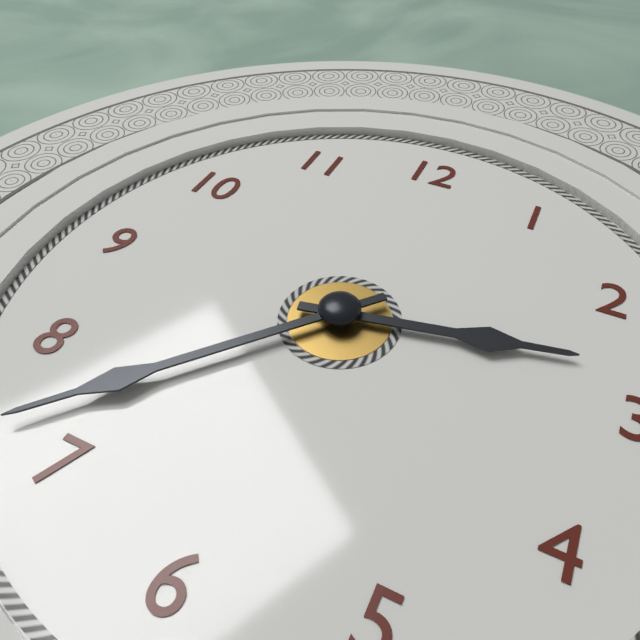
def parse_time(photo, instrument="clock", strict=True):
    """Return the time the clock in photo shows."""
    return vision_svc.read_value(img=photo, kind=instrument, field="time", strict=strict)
2:37
